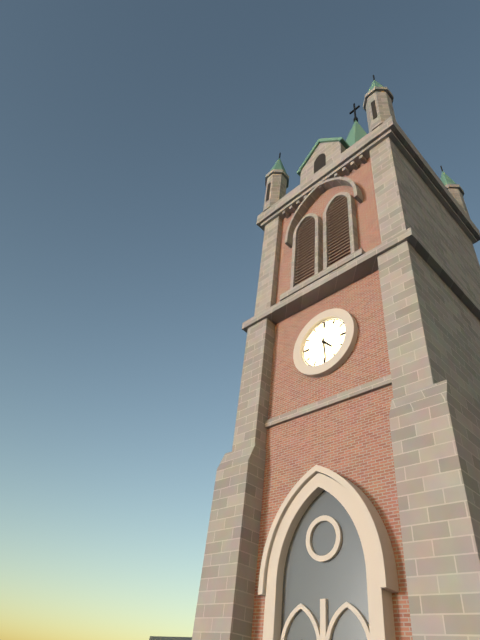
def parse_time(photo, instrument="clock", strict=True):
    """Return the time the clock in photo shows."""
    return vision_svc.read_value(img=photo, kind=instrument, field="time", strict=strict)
4:29
